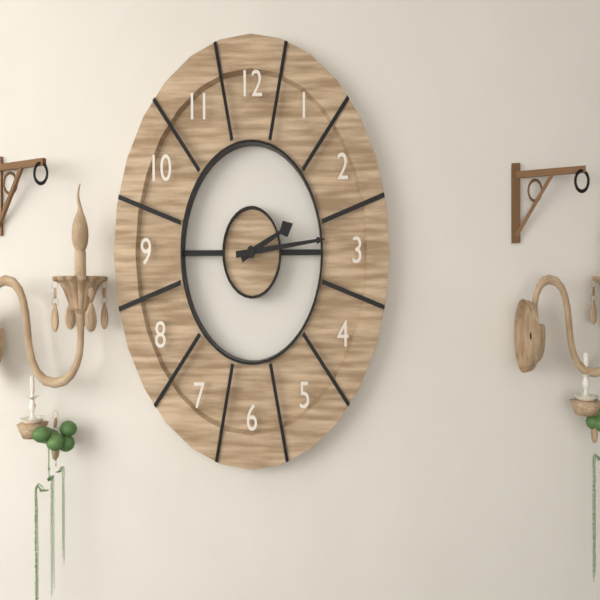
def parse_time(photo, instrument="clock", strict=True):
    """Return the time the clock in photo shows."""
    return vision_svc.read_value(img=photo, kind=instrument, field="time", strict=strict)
2:14
